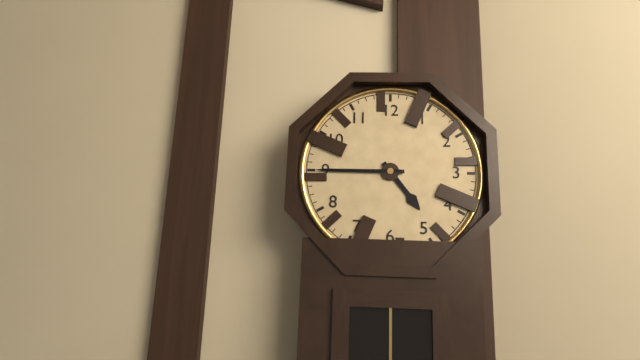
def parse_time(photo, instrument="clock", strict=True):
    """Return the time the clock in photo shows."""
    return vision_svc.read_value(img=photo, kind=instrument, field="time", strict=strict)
4:45
